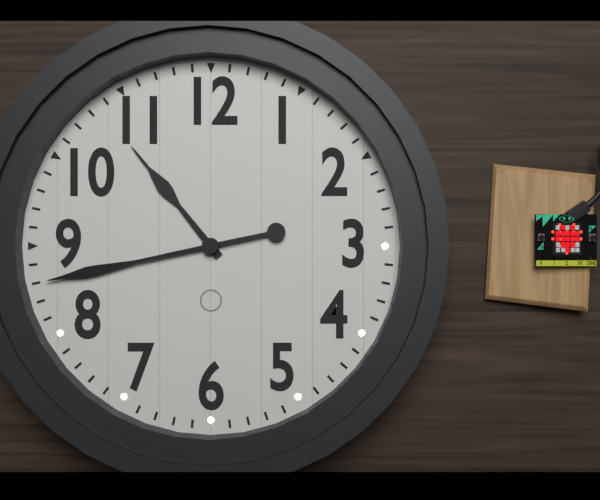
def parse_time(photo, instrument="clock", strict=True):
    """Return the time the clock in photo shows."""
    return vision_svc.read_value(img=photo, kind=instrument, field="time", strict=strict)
10:43
